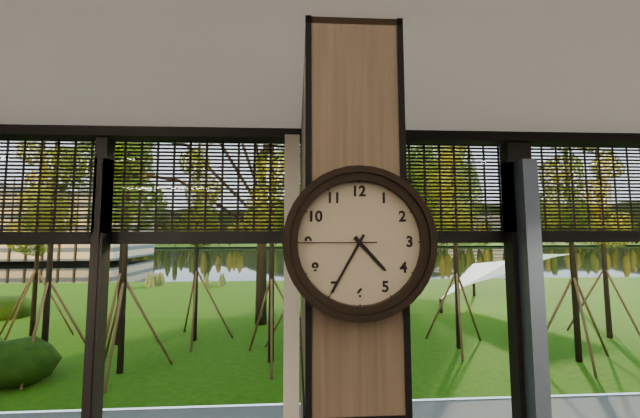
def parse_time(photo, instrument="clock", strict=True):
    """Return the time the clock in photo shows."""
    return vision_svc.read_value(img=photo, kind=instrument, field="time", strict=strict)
4:35:45
